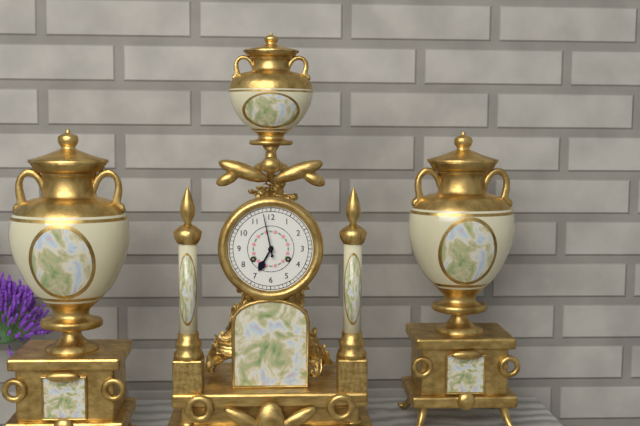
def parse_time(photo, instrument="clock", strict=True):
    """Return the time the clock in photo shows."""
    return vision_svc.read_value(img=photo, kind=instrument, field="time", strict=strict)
6:58
